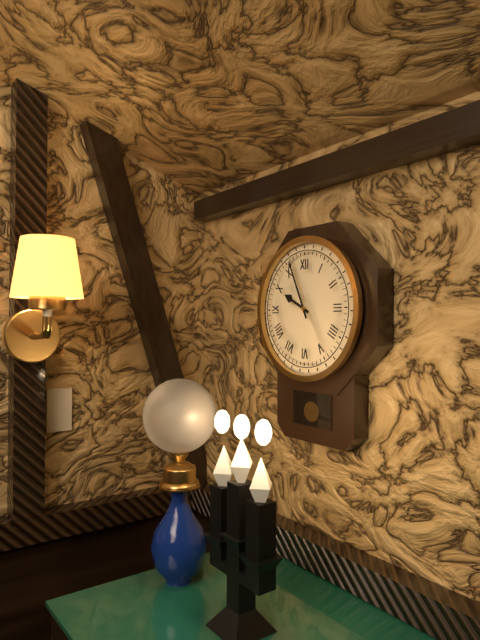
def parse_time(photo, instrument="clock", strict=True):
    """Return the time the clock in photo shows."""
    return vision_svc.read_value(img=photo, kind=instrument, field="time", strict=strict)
9:56
